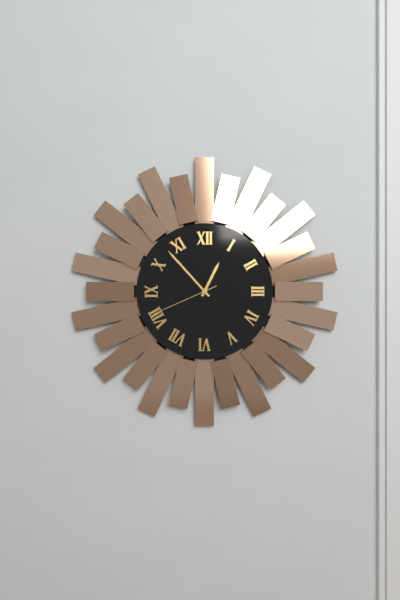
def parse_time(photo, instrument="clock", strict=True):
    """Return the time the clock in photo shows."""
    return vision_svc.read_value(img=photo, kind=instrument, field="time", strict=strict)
12:53:41
